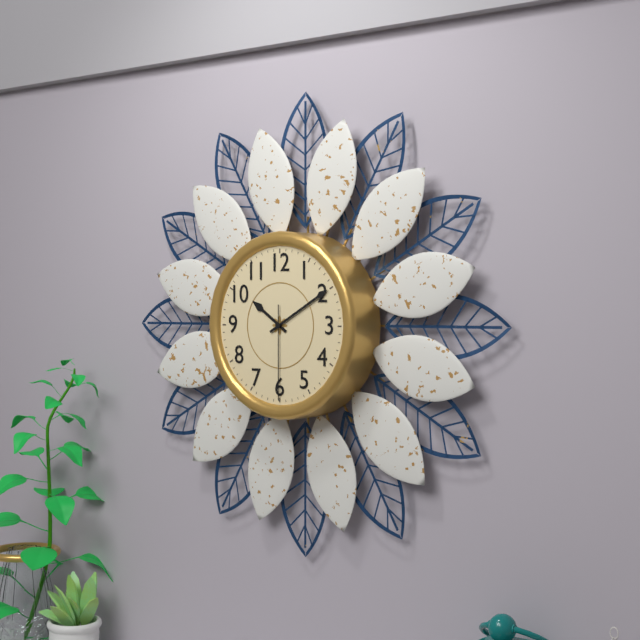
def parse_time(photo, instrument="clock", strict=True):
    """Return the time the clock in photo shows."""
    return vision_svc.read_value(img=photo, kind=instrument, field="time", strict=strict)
10:10:30
